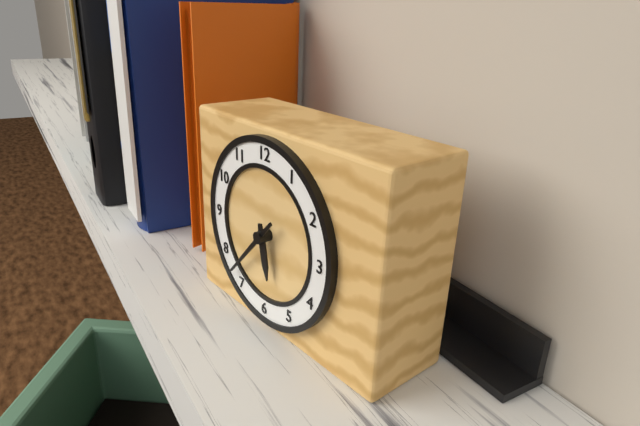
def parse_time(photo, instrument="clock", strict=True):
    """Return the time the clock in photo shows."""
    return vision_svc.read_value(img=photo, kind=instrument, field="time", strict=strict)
5:37
